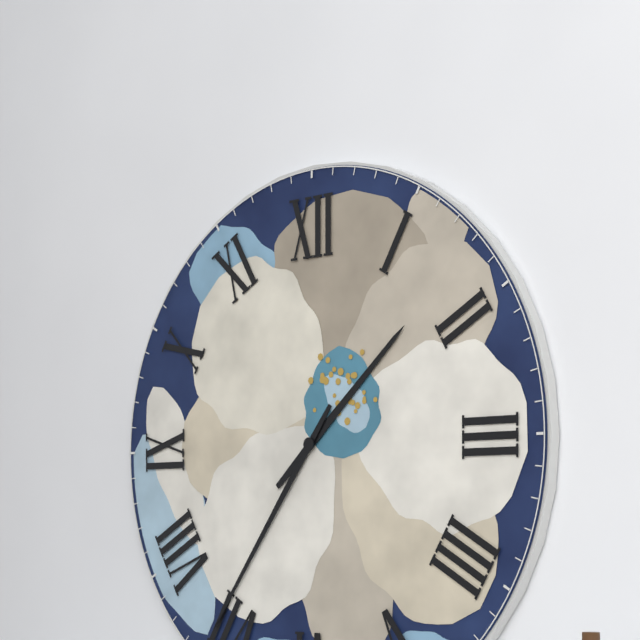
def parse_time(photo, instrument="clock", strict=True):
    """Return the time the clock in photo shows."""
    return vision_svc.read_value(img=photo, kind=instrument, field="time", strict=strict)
1:36
